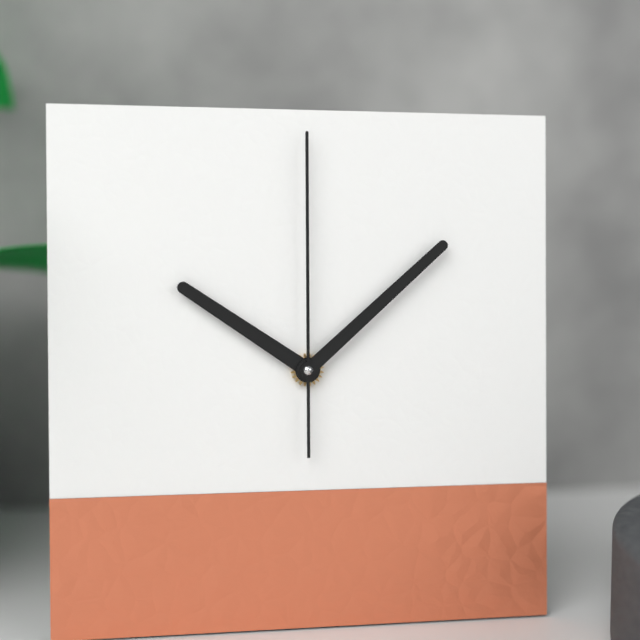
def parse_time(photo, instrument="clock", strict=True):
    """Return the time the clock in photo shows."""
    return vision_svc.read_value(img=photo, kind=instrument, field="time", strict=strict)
10:08:00
